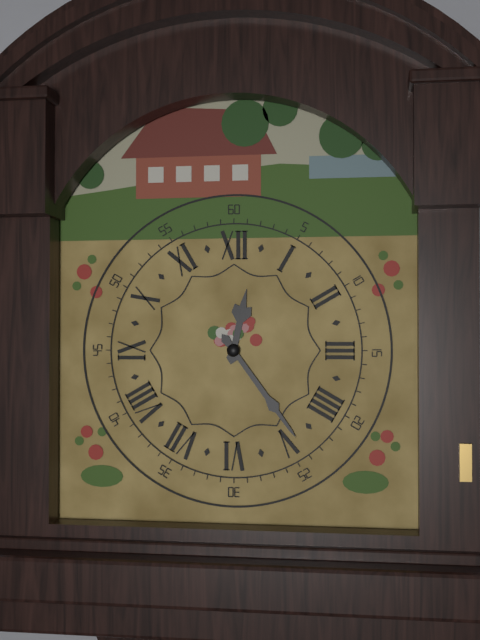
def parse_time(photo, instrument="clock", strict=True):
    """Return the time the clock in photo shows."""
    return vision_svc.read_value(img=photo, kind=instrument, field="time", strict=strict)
12:24
